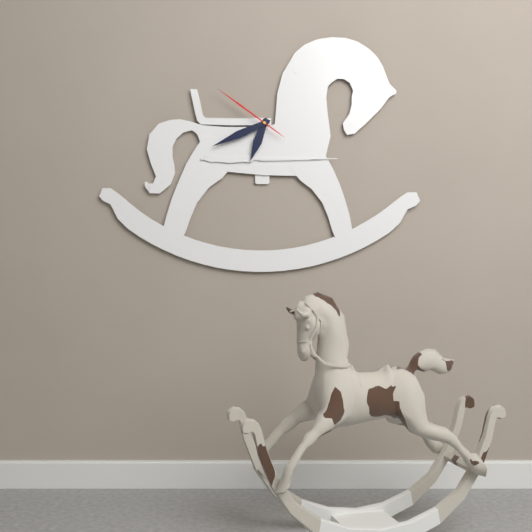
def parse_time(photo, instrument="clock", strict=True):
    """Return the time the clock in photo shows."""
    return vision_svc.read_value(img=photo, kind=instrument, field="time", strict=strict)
6:41:51
